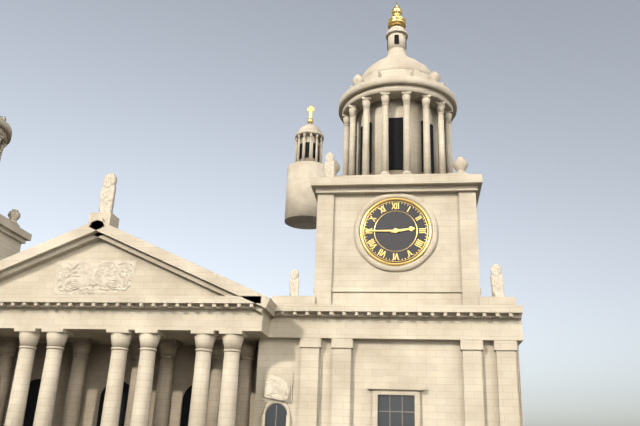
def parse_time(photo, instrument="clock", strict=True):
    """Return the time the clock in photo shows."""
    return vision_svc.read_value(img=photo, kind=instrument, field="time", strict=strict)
2:45
